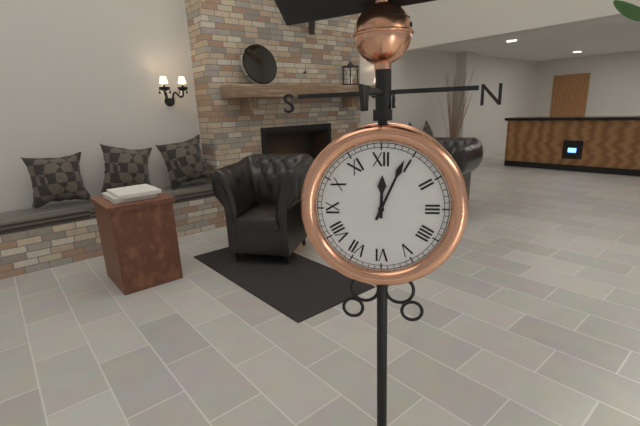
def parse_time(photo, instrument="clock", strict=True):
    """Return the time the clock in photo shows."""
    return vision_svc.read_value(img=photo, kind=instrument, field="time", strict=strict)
12:04
